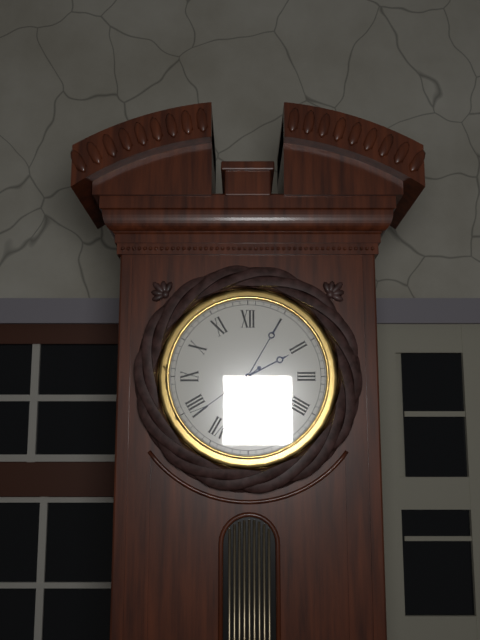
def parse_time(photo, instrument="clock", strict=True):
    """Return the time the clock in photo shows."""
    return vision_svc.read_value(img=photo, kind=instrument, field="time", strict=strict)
2:05:39
